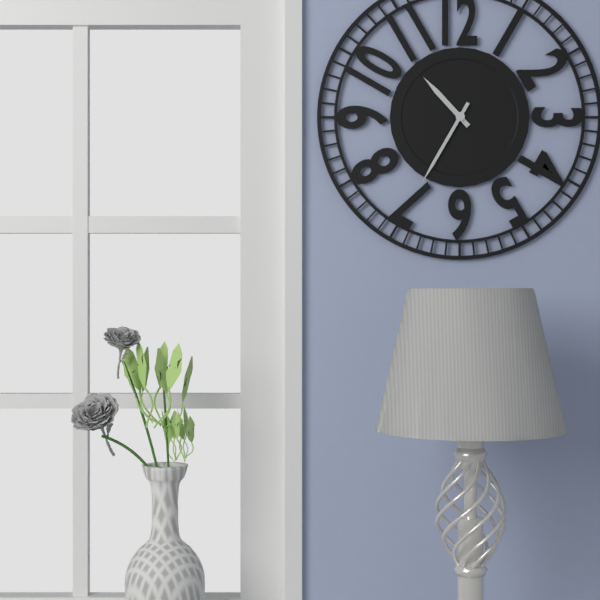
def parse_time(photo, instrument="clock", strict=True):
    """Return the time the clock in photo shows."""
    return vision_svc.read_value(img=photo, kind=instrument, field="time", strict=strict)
10:35
